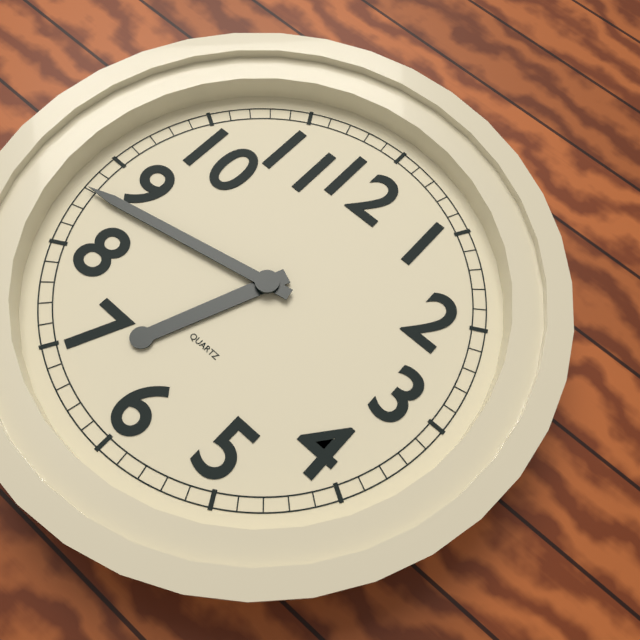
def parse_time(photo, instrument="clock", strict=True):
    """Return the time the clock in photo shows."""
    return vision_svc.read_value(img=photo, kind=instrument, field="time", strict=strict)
6:43
